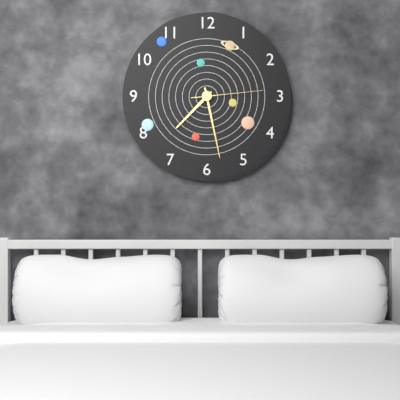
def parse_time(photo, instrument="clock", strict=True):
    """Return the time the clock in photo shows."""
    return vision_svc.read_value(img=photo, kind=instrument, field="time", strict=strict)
7:28:14
